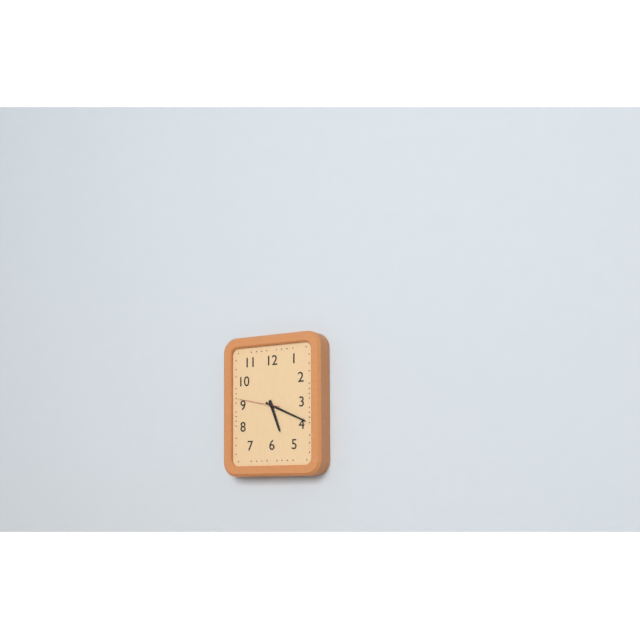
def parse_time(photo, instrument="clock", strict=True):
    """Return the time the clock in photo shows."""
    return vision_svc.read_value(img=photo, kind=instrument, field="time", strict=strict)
5:19
